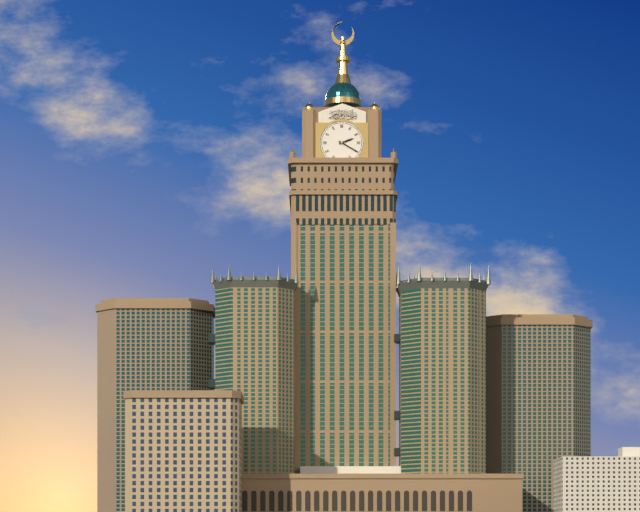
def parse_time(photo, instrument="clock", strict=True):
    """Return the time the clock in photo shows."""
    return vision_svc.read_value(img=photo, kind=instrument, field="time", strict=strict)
2:20
